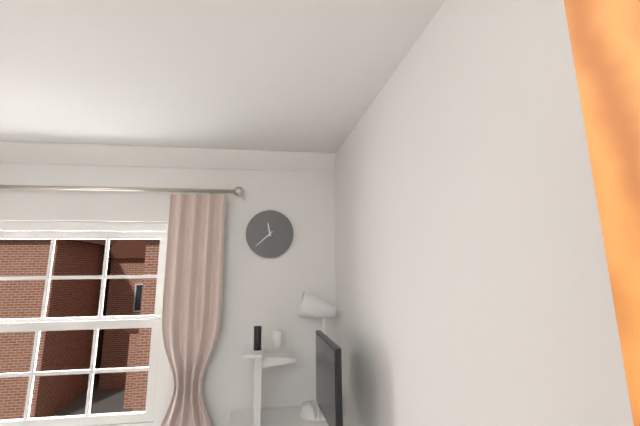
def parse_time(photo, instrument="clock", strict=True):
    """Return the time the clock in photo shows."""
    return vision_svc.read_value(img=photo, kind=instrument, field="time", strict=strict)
11:38
